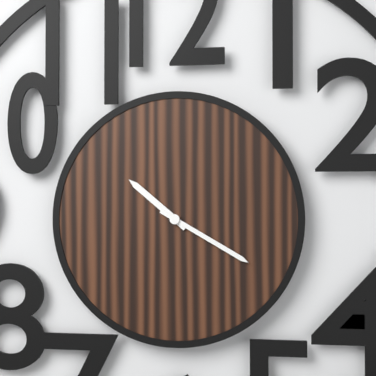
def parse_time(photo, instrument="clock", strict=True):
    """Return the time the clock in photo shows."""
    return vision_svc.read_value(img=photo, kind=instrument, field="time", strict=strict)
10:20
